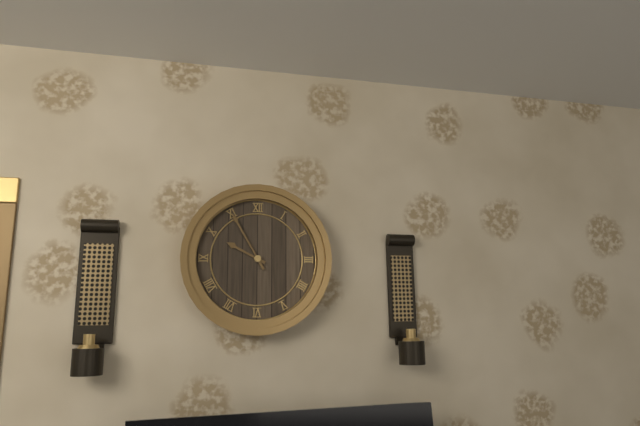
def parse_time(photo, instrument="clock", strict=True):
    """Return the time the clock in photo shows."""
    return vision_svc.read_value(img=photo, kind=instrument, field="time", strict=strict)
9:55
